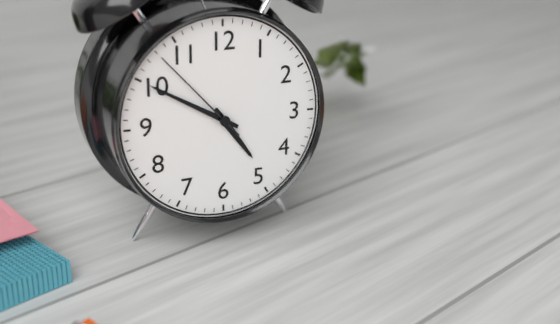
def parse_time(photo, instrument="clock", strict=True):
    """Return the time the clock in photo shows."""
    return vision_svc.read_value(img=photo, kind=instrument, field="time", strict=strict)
4:50:53
